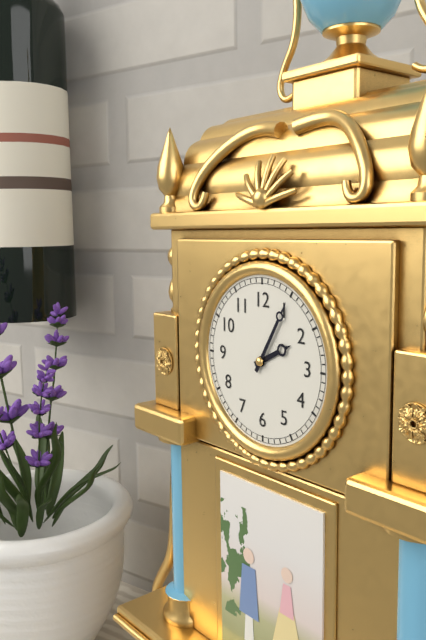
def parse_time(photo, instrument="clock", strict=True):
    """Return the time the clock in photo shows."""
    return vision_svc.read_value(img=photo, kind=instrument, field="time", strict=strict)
2:05
